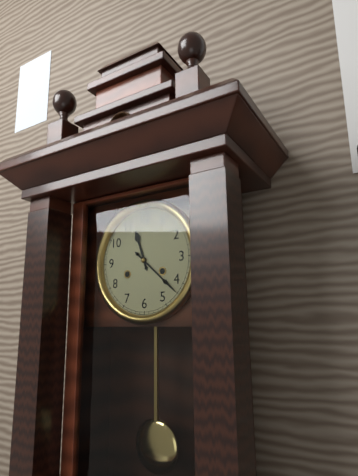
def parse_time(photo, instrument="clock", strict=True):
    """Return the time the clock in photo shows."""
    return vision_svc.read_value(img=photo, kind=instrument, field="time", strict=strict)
11:22
